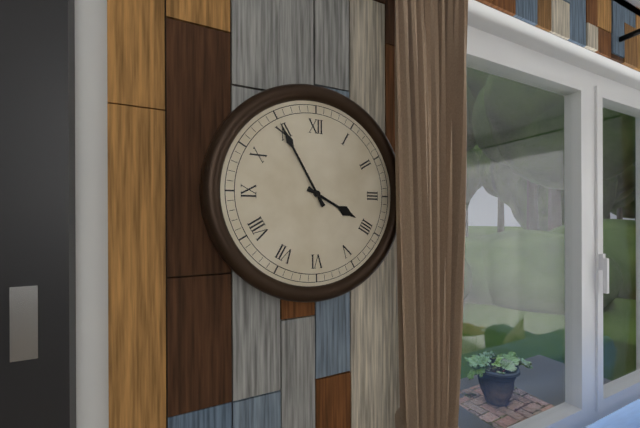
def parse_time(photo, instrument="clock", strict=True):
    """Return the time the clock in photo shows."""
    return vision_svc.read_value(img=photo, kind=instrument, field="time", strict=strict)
3:55
